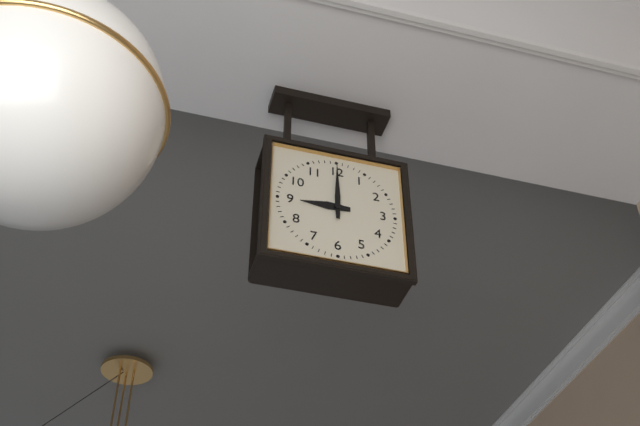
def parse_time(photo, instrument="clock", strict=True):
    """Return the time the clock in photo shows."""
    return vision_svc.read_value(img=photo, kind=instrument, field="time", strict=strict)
9:00
